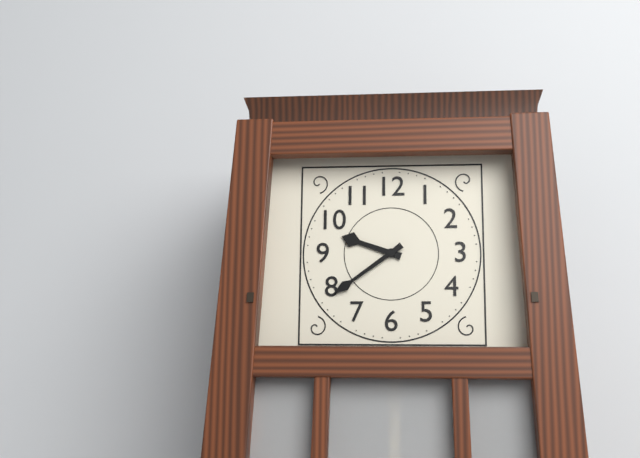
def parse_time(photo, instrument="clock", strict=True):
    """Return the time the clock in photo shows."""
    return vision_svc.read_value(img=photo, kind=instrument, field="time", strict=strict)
9:39
